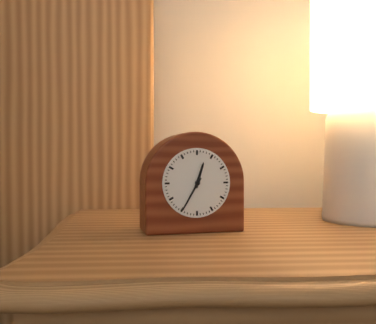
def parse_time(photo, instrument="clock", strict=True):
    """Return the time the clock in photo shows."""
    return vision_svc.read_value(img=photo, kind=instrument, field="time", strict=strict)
12:35
